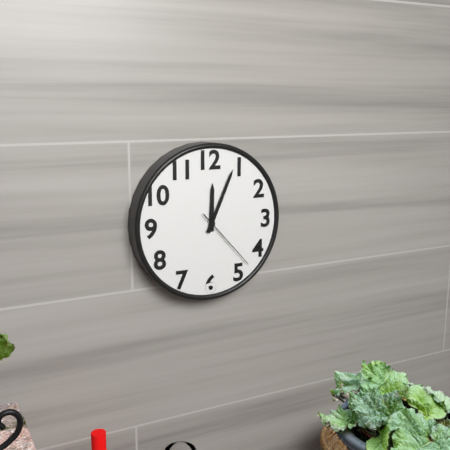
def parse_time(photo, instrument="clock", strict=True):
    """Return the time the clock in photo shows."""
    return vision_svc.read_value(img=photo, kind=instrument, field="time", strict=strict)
12:04:23
